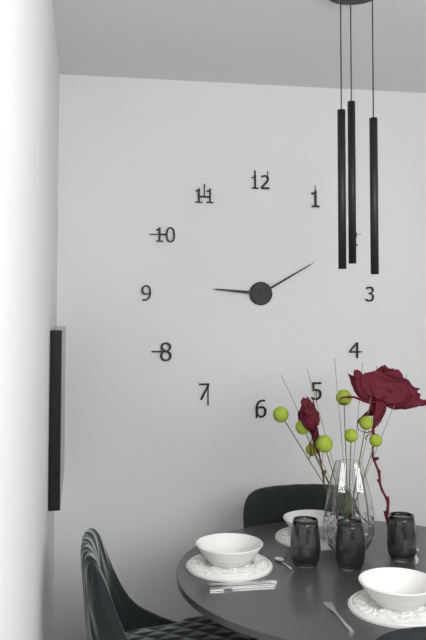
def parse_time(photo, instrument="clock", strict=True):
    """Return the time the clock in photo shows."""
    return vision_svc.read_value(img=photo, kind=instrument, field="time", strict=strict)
9:10
